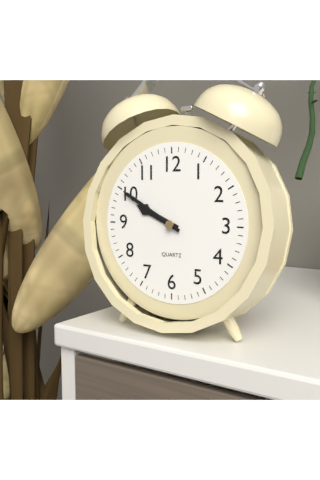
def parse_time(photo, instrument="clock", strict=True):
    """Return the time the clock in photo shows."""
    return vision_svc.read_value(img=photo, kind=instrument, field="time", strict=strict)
9:50
